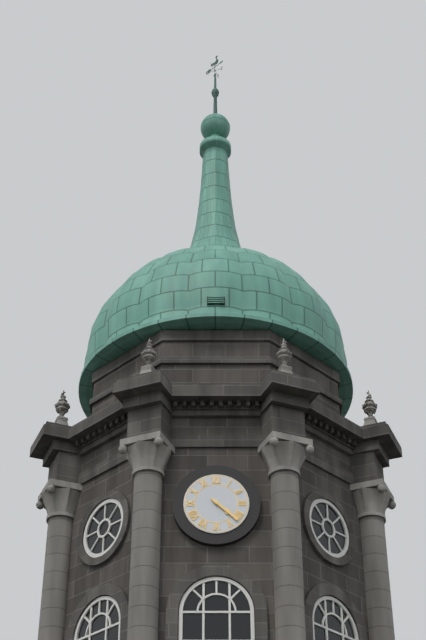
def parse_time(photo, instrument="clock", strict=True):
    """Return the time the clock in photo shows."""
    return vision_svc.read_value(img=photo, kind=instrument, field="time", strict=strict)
4:22
